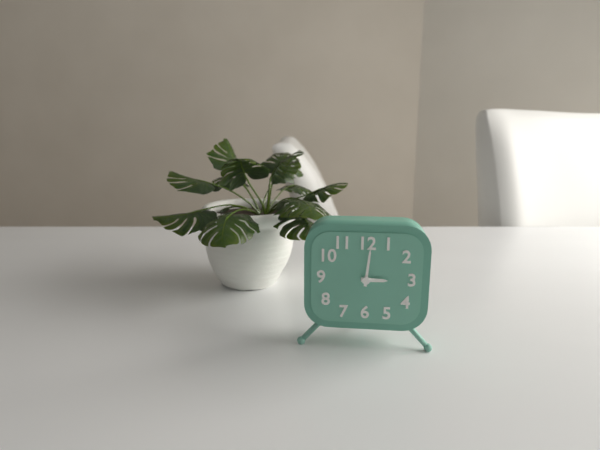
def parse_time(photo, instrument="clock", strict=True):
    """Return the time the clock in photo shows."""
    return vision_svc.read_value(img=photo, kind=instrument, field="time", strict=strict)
3:01
